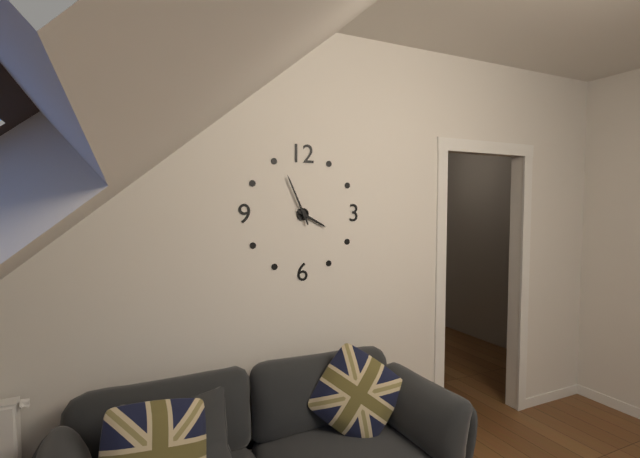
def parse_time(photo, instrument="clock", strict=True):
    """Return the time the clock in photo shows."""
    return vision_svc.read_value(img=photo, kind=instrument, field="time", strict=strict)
3:56
